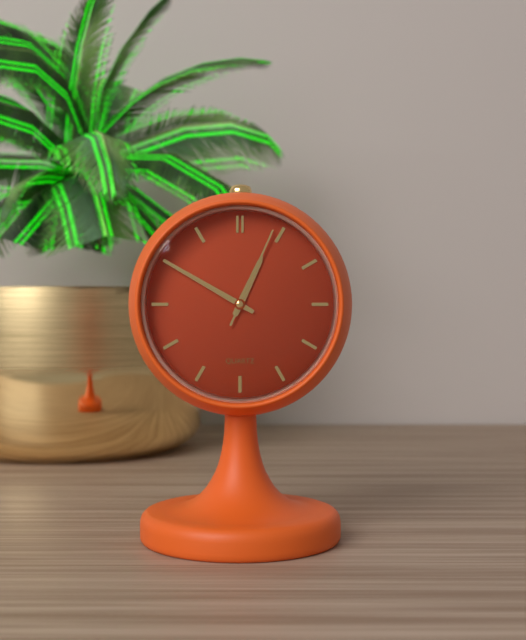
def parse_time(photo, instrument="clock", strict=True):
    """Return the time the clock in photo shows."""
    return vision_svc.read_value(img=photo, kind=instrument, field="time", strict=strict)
12:50:04
